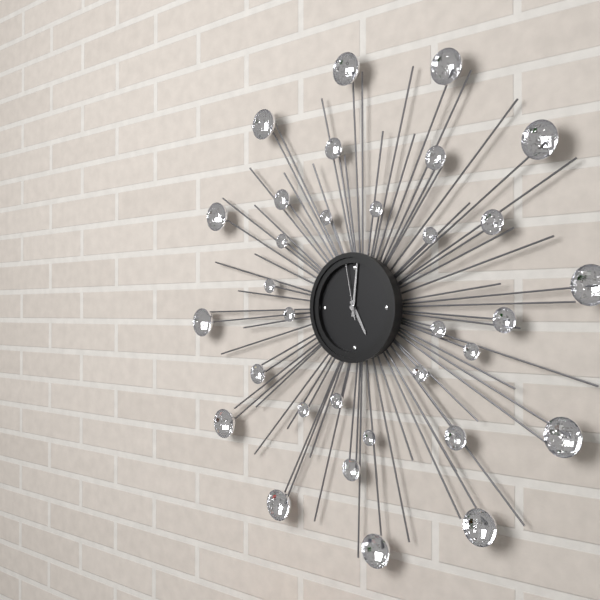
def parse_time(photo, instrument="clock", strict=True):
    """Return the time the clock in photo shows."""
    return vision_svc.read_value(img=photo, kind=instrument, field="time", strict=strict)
5:01:58
